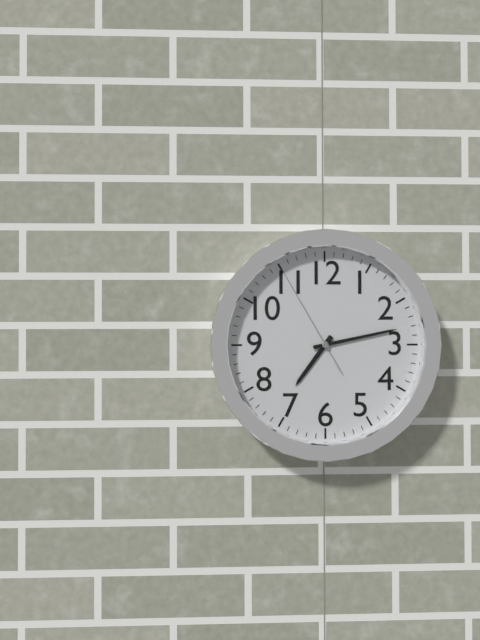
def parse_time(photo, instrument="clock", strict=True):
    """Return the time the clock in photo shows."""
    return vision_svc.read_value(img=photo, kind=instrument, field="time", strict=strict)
7:13:55
